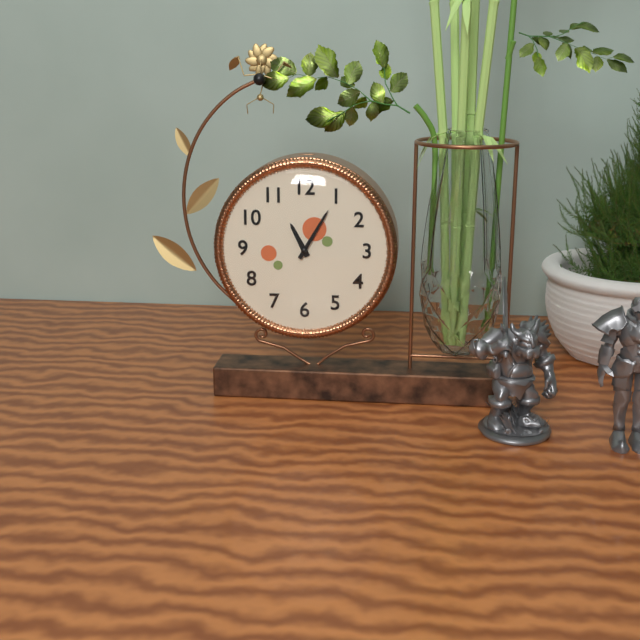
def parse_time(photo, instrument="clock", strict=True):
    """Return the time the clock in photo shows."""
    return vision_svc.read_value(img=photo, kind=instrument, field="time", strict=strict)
11:05
